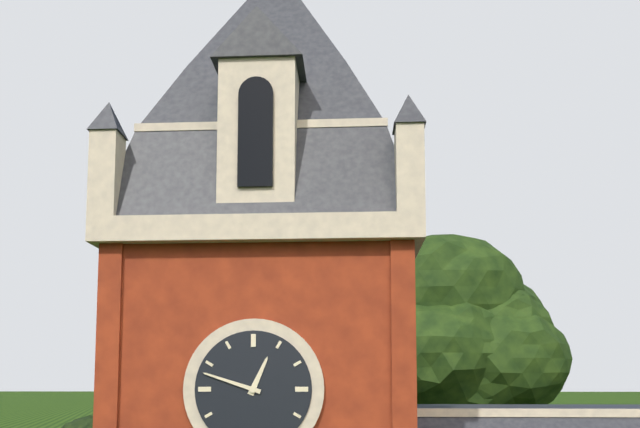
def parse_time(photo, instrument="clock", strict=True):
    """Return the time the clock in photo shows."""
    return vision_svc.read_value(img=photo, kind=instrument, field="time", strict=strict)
12:48
